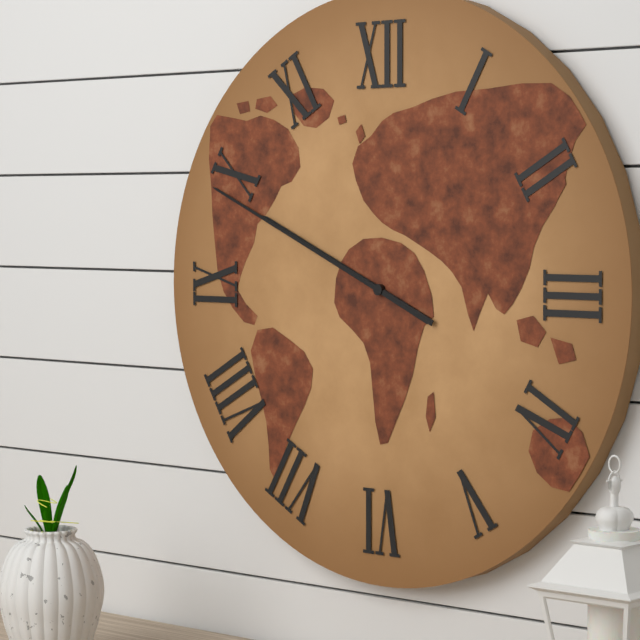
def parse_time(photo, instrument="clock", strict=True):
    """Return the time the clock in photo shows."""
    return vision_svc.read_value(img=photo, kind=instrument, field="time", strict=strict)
9:49
